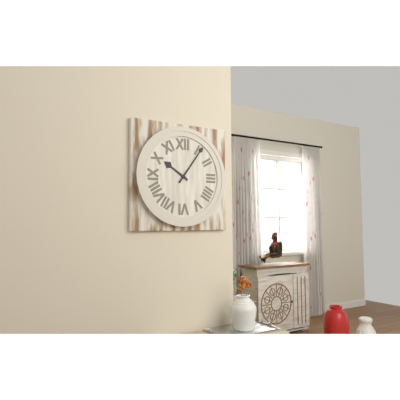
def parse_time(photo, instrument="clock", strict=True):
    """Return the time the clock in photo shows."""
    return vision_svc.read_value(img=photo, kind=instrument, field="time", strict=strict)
10:06
